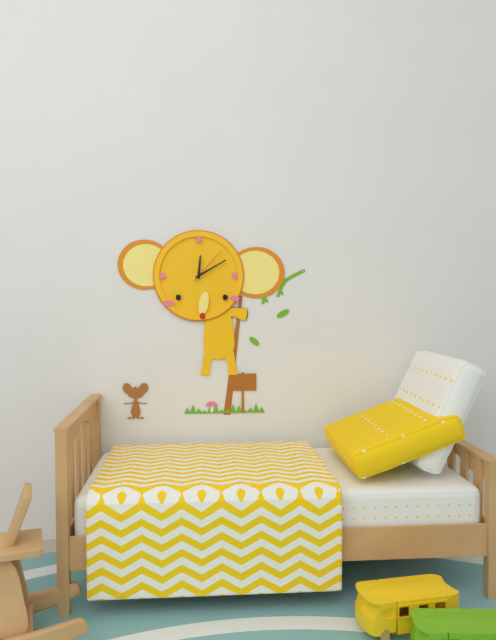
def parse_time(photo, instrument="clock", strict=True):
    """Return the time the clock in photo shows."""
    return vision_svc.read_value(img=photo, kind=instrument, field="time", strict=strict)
12:10
